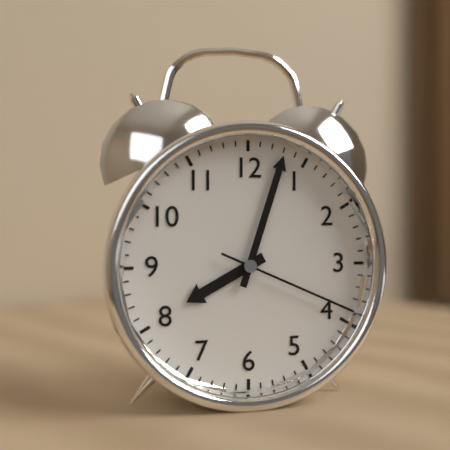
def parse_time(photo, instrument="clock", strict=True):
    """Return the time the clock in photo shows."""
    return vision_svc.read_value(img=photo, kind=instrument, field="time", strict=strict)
8:03:19
